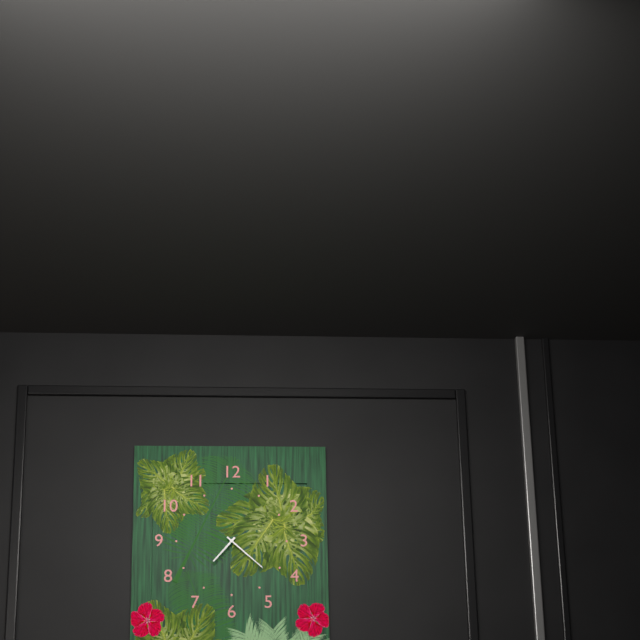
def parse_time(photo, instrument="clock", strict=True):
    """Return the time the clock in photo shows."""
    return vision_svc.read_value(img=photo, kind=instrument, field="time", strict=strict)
7:22
